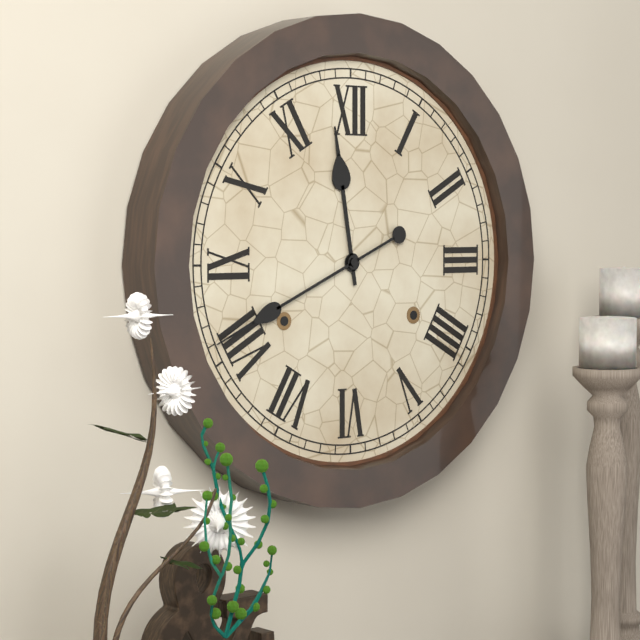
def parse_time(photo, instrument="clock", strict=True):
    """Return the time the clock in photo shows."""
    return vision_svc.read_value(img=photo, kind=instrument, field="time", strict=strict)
11:41
